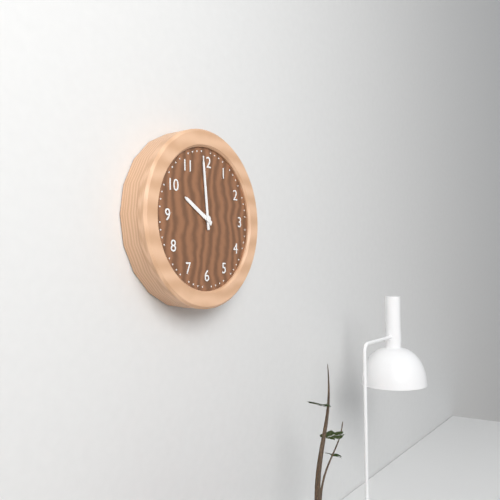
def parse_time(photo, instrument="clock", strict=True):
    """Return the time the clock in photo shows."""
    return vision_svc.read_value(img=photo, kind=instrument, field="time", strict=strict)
9:59
